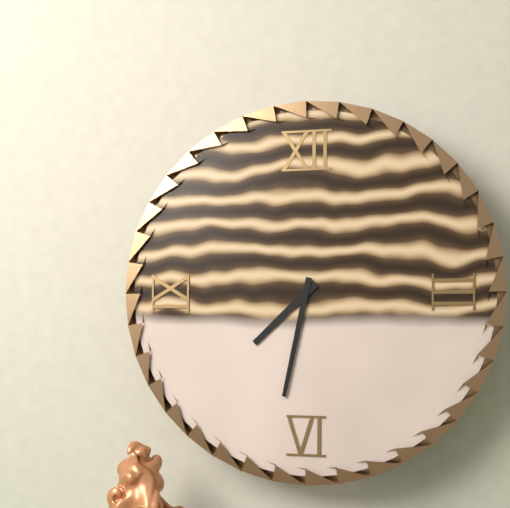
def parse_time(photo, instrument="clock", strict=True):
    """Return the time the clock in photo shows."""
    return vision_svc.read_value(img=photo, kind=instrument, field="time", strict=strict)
7:32
